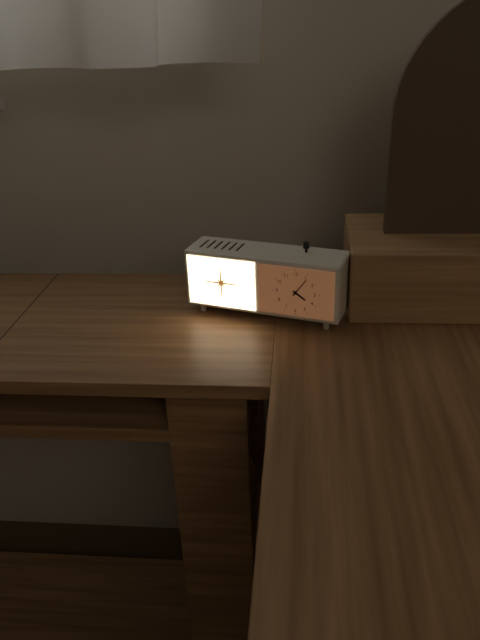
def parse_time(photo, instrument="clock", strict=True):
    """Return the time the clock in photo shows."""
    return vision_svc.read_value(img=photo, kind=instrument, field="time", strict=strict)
4:06
